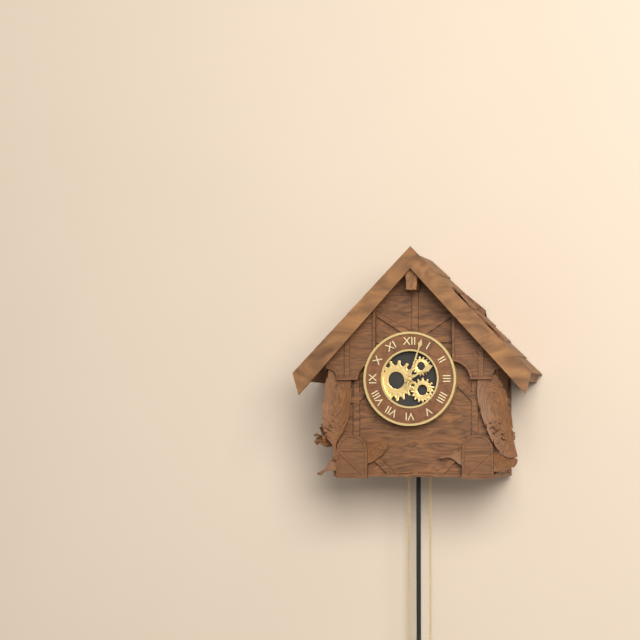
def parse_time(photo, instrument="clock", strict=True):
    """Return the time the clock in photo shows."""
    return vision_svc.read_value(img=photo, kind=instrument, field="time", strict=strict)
2:03
